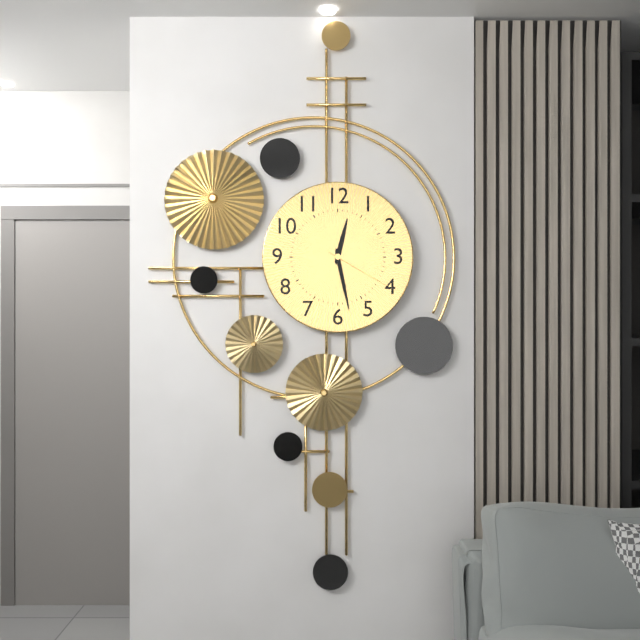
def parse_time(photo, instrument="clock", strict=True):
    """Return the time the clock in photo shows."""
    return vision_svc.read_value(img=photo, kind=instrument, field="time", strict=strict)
12:28:20
